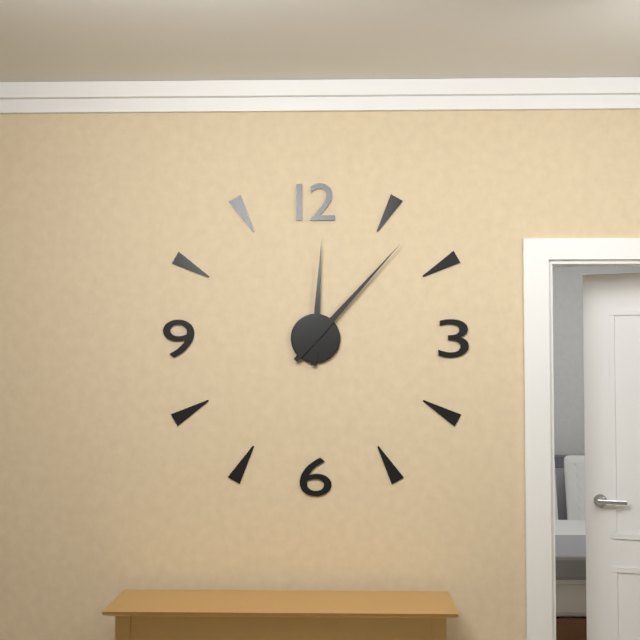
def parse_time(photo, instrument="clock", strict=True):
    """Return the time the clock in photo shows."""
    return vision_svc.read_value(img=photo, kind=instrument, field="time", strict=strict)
12:07
